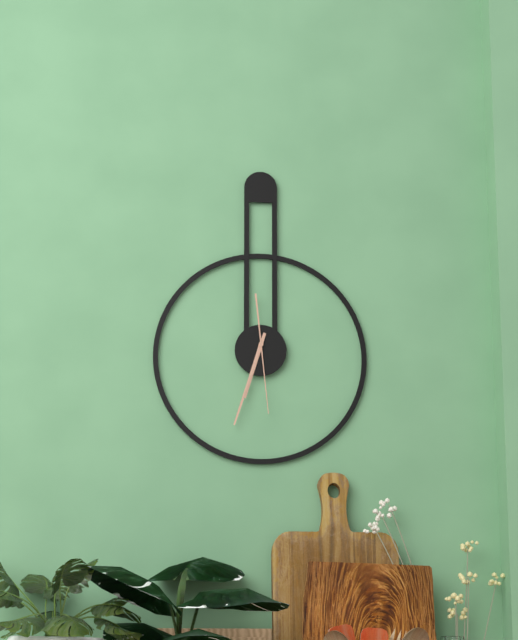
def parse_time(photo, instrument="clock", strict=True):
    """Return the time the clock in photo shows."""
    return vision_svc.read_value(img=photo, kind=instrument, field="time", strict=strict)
6:33:29
